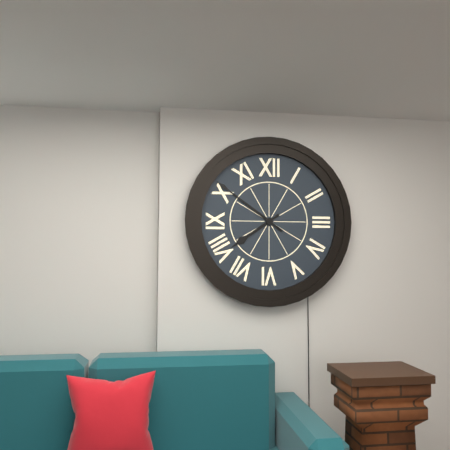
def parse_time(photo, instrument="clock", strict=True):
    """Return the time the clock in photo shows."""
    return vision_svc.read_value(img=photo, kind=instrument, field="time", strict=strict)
7:51
